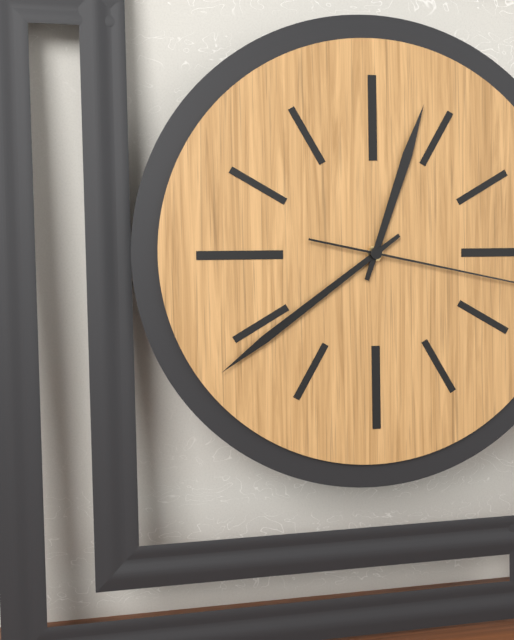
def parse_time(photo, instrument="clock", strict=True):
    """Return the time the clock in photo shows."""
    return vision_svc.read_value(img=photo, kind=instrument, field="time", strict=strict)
12:39
